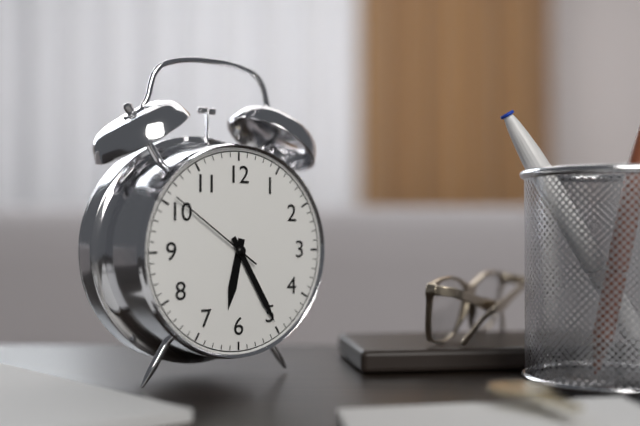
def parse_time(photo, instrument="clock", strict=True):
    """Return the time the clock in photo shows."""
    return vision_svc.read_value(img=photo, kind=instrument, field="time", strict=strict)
6:25:51
